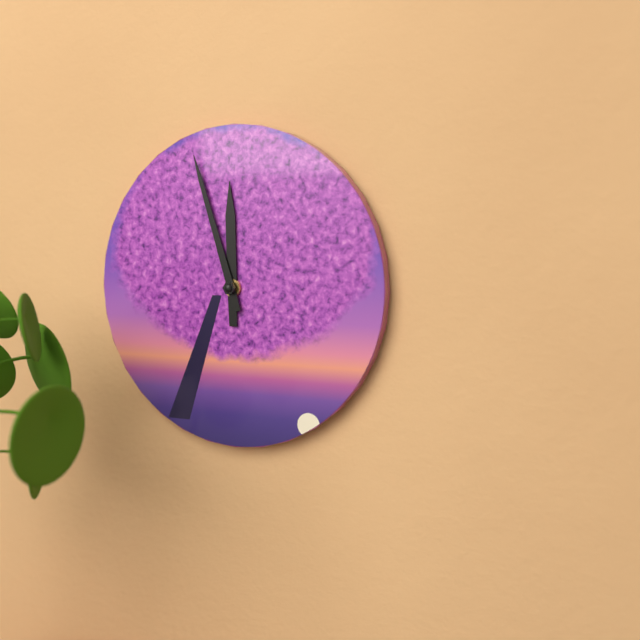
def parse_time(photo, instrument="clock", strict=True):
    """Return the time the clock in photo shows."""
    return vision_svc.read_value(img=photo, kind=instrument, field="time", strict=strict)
11:57
